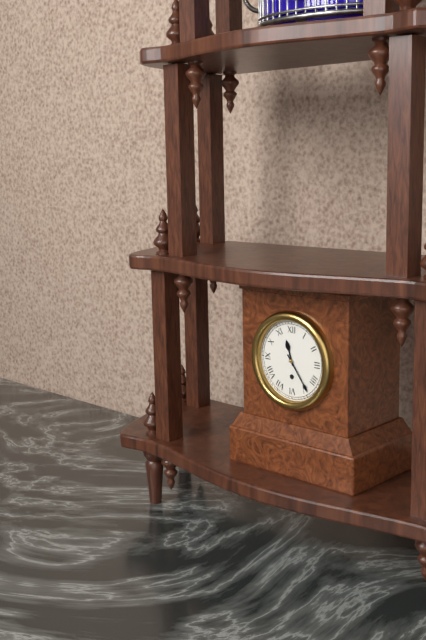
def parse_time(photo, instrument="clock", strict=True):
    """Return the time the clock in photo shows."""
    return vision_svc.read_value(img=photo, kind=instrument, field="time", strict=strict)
11:24
